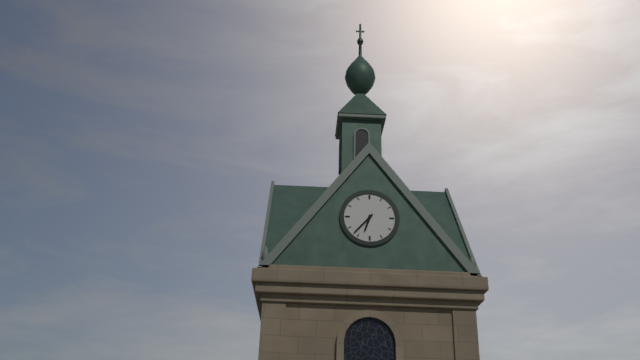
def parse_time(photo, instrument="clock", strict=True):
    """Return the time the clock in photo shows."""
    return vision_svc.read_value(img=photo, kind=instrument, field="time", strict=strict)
6:37
